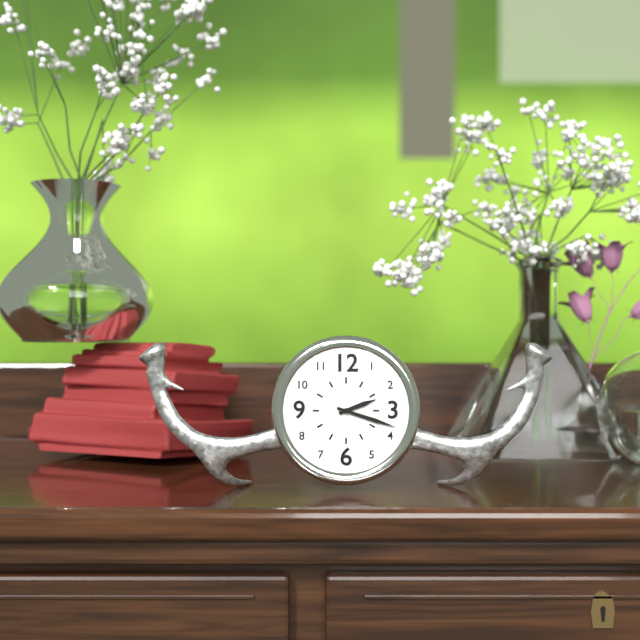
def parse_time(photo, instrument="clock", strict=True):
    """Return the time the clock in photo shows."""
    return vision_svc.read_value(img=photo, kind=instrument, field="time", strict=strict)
2:18
